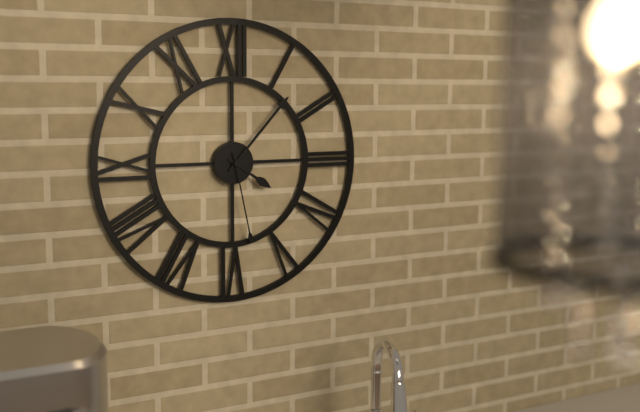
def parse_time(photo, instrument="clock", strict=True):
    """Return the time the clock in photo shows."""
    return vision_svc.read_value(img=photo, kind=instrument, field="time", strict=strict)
4:07:28
